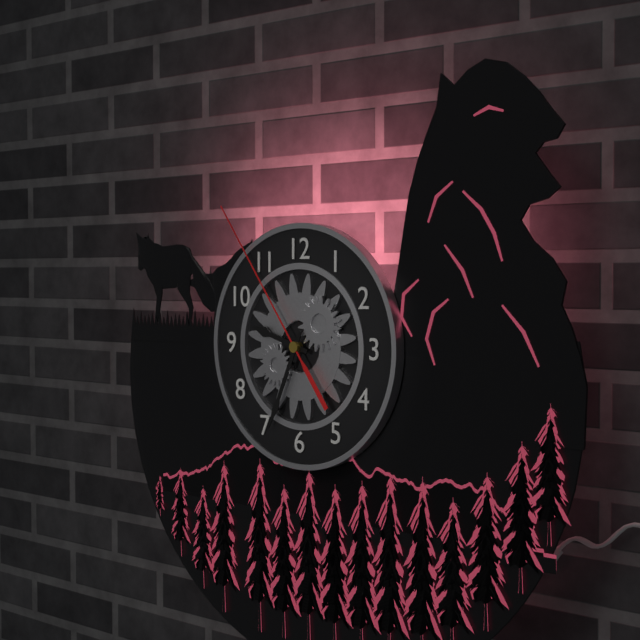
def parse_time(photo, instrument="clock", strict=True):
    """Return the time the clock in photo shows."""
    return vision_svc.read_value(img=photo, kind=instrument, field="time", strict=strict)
9:34:54
